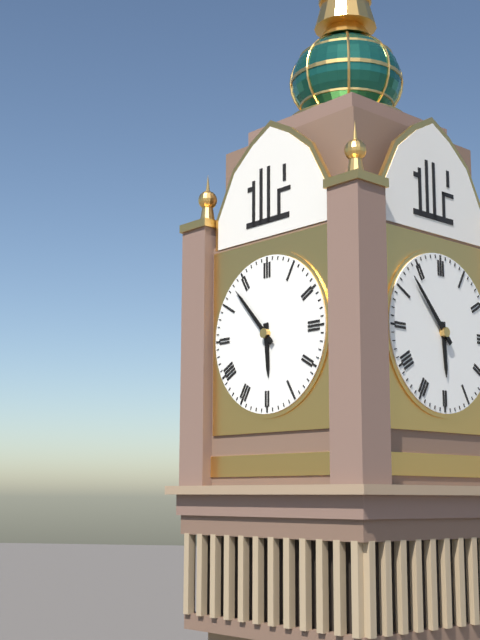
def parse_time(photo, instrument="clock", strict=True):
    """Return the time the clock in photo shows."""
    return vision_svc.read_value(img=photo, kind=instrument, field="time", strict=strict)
5:53
